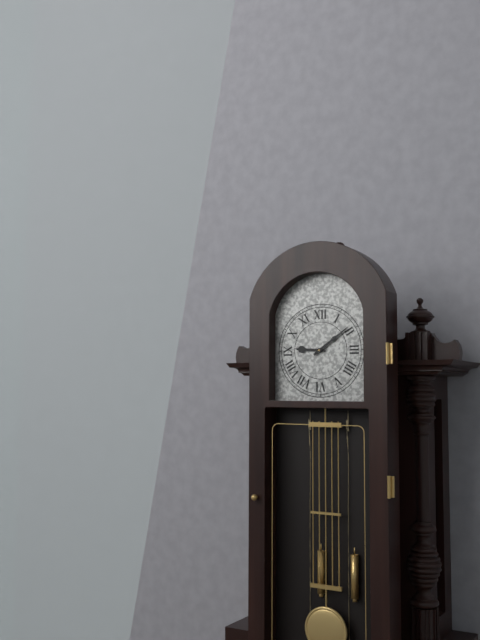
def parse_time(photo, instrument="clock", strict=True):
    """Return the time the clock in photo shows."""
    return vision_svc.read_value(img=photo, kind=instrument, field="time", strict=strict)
9:09
